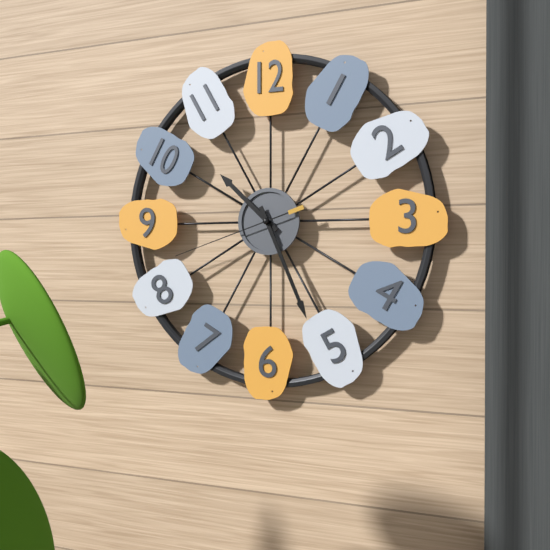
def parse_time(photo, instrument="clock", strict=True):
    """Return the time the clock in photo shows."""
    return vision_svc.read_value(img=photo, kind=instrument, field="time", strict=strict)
10:26:42
